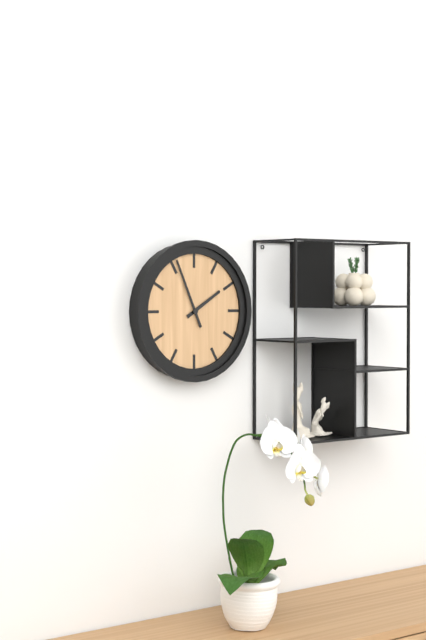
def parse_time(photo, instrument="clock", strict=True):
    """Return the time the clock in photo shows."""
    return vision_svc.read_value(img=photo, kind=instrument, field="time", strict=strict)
1:56
